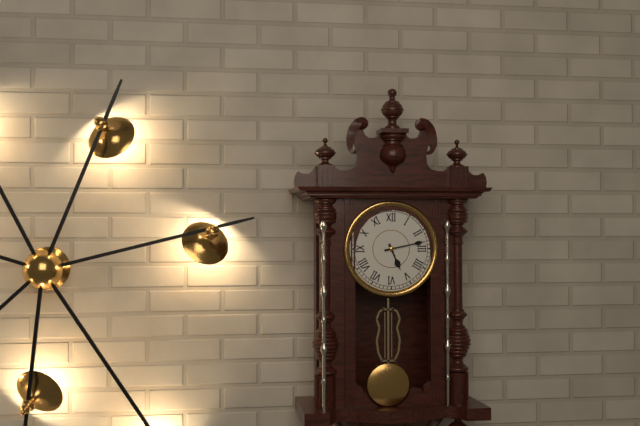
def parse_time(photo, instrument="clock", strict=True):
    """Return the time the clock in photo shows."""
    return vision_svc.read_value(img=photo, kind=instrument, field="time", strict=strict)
5:13
